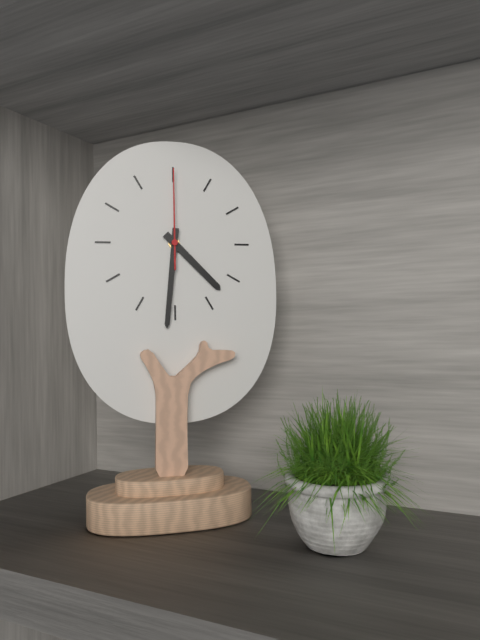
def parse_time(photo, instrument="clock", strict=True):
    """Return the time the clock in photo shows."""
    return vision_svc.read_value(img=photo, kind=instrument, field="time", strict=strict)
4:31:00
